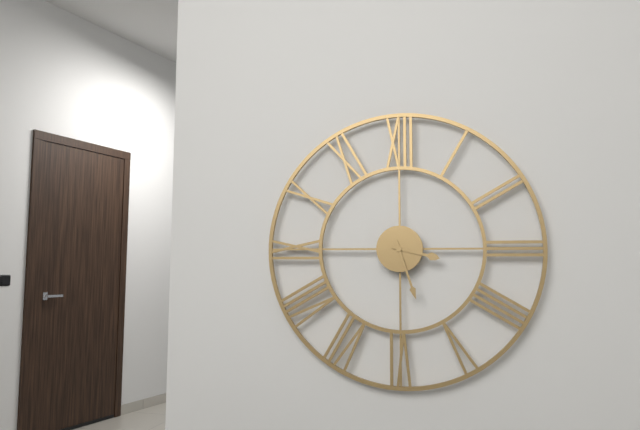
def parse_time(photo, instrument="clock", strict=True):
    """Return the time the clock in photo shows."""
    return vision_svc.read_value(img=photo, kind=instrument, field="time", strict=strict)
3:27
